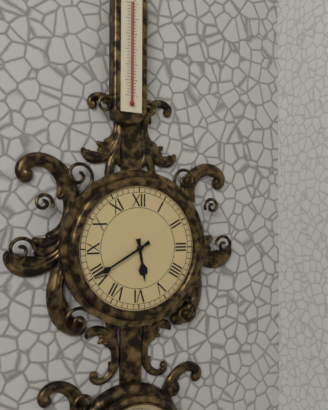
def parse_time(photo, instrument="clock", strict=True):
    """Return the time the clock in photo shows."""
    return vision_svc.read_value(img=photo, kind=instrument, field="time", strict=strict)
5:40
